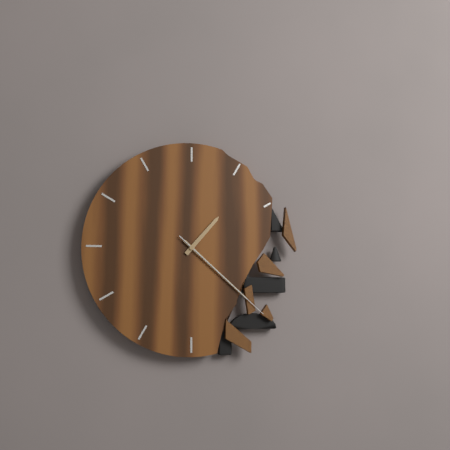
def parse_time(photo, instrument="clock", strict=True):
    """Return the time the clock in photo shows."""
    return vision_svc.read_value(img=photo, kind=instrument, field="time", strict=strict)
1:22:22
